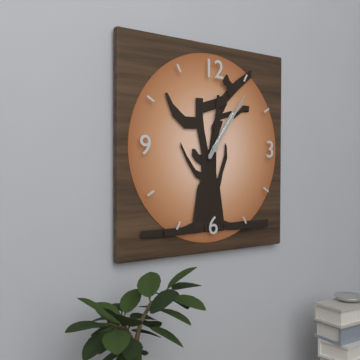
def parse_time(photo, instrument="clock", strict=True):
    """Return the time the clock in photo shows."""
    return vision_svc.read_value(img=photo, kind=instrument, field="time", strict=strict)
1:06
